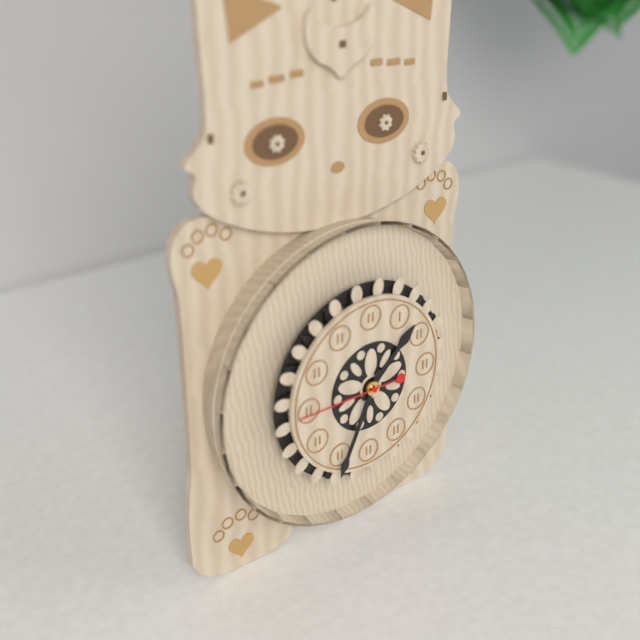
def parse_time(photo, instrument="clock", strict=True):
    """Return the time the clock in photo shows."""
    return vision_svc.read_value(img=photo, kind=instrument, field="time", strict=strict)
1:34:45
